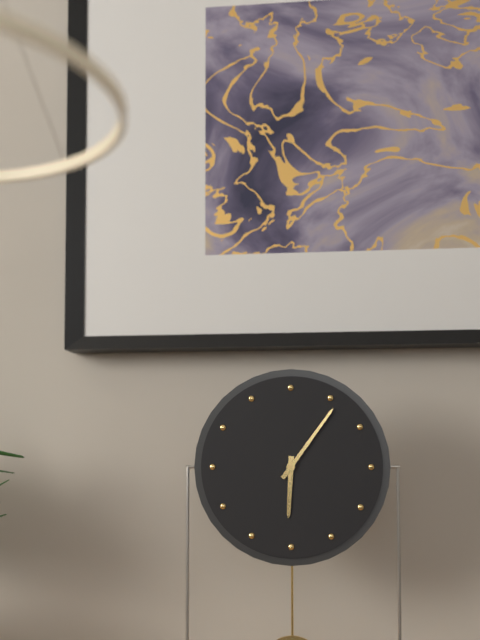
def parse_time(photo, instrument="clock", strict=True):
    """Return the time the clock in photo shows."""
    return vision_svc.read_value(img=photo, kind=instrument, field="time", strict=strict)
6:06
